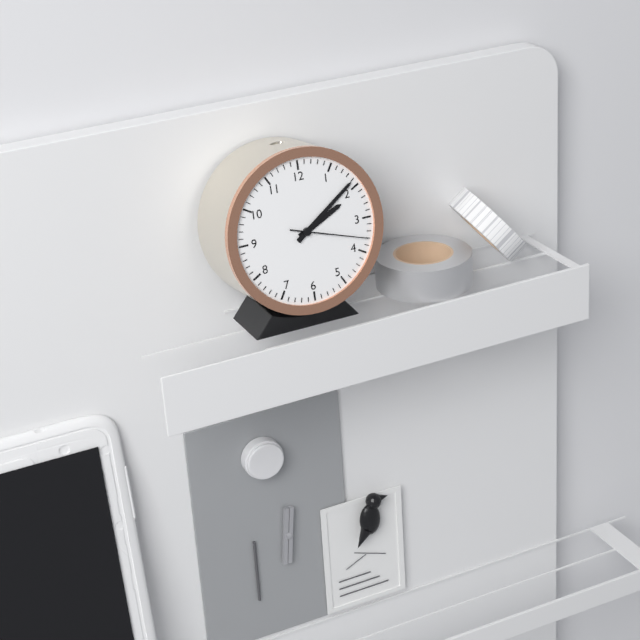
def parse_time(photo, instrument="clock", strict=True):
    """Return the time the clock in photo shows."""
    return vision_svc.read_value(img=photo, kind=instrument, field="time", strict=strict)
2:09:18
